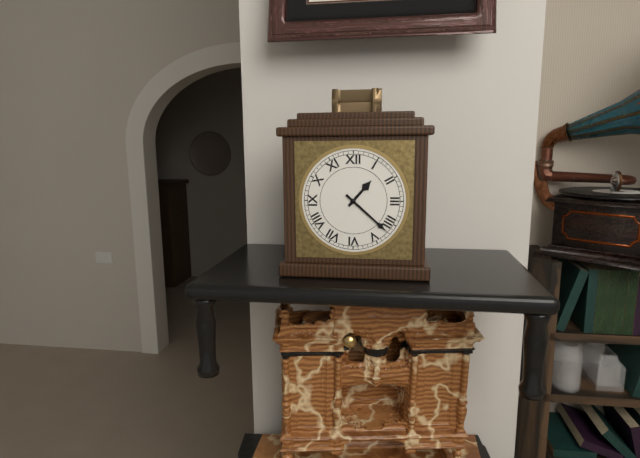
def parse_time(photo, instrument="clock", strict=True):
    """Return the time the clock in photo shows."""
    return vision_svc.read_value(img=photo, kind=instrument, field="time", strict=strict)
1:22
